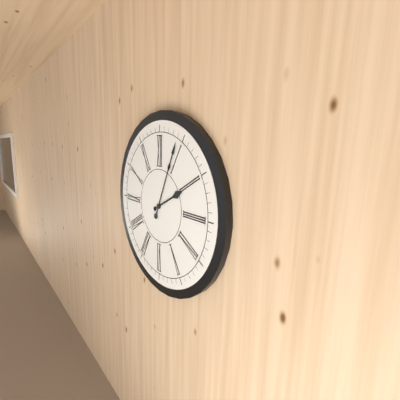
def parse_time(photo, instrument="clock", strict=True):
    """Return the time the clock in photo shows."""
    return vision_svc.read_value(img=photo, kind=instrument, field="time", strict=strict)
2:04
